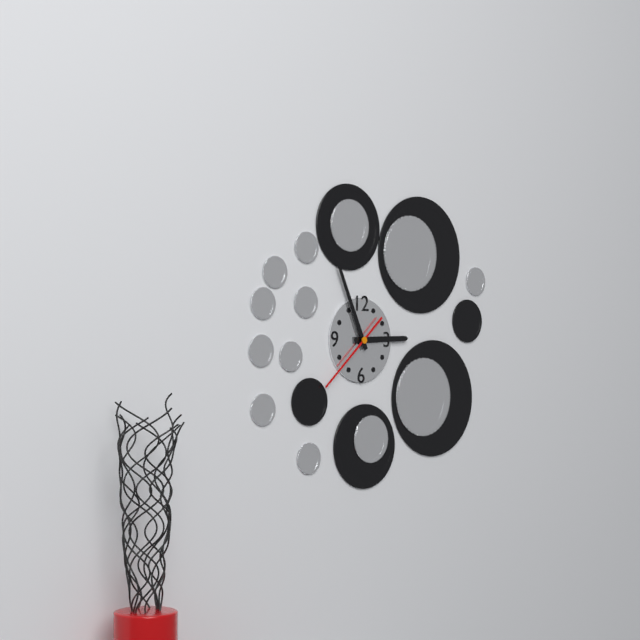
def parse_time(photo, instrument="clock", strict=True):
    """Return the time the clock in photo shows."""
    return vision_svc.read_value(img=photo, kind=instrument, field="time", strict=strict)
2:56:38
